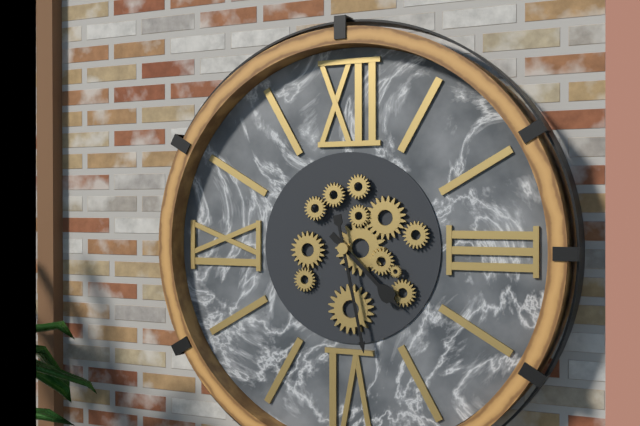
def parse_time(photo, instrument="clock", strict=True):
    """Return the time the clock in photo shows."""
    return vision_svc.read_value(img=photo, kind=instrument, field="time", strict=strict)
4:28
